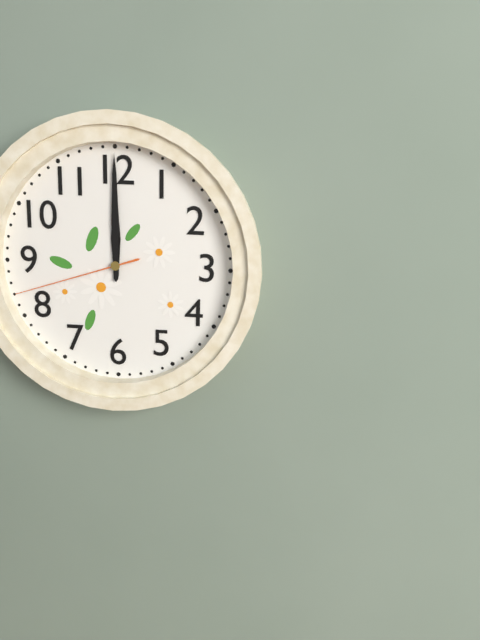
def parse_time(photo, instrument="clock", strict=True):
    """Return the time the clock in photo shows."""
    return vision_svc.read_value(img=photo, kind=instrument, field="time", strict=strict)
12:00:42
